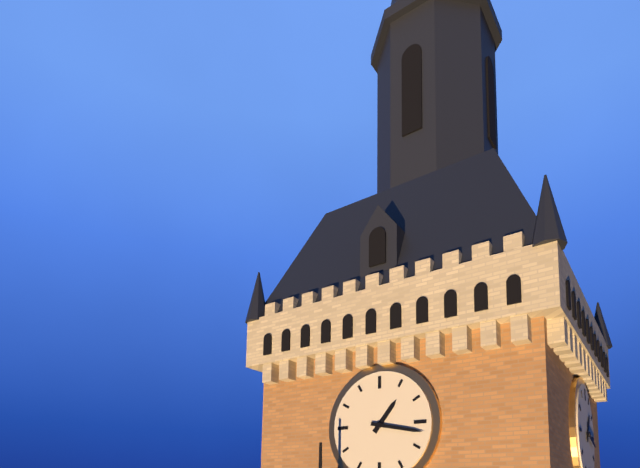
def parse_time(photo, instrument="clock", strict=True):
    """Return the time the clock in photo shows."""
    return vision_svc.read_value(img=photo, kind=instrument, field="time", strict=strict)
1:17
